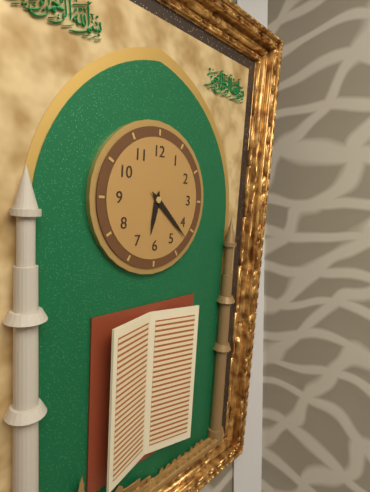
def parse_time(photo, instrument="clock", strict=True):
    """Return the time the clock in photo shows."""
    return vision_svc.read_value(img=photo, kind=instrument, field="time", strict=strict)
6:22
